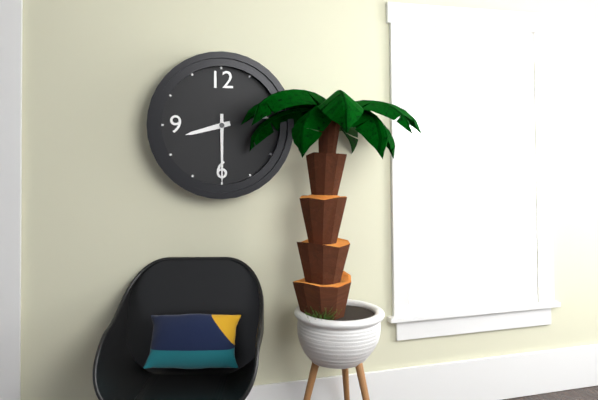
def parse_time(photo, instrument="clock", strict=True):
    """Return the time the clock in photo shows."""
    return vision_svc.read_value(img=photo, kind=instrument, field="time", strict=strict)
8:30
